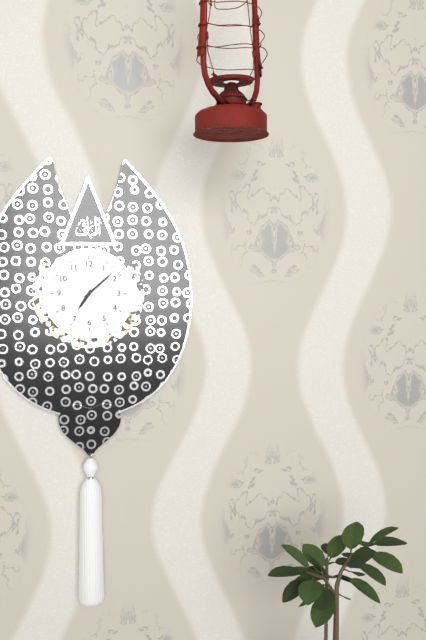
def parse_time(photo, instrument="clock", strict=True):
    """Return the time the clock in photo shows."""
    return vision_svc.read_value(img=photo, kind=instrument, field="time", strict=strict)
7:08
